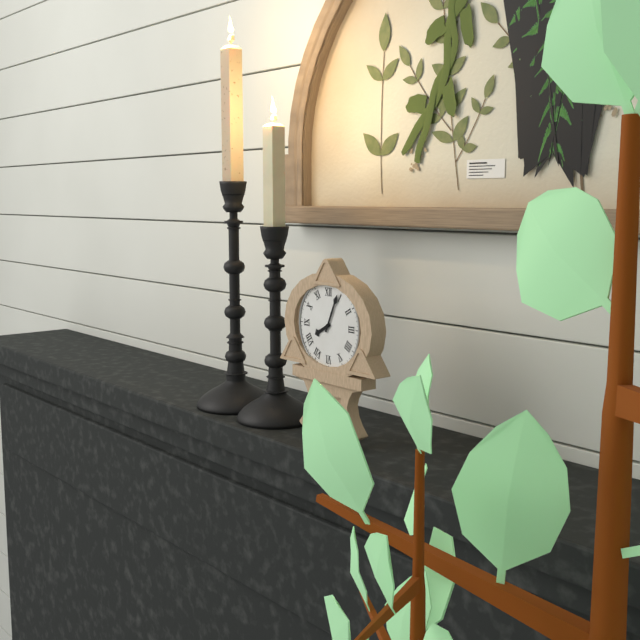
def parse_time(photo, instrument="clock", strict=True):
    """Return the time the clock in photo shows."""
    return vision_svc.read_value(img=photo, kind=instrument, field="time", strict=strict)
8:04
